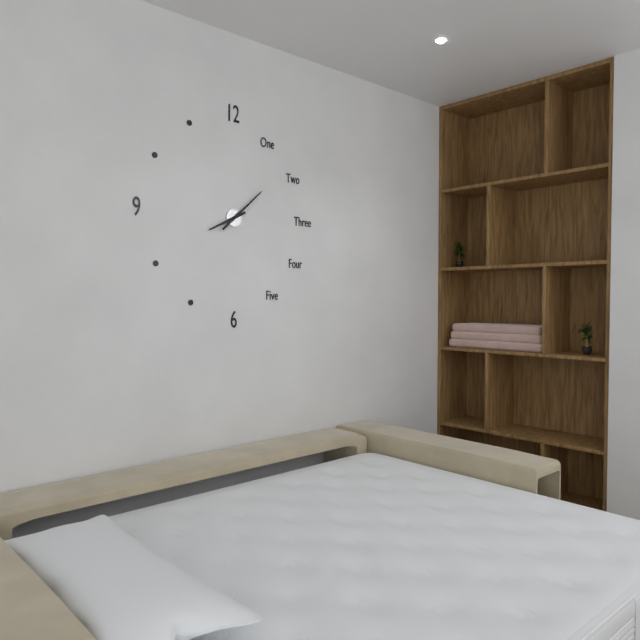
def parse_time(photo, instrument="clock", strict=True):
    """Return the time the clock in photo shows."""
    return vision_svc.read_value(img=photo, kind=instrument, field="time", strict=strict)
8:08
